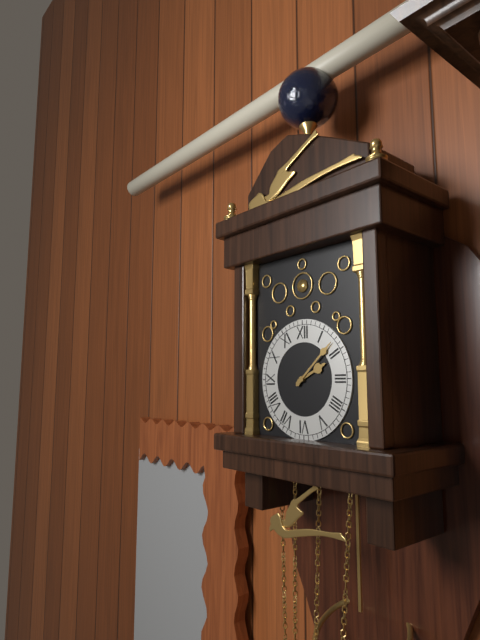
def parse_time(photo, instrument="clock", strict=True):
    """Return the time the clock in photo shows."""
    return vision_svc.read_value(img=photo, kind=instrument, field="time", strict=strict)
2:08
